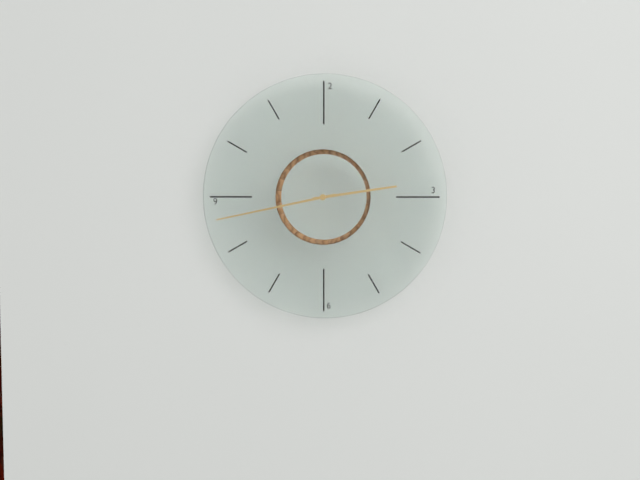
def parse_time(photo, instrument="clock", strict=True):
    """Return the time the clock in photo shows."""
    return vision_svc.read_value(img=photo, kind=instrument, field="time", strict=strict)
2:43
